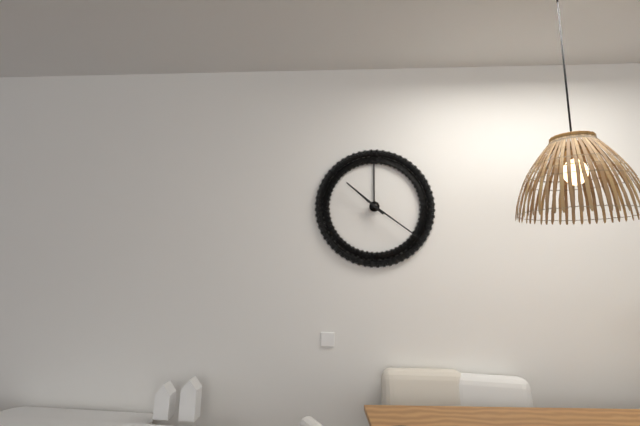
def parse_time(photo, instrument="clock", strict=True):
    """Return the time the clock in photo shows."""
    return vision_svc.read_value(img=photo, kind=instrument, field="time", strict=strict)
10:21
